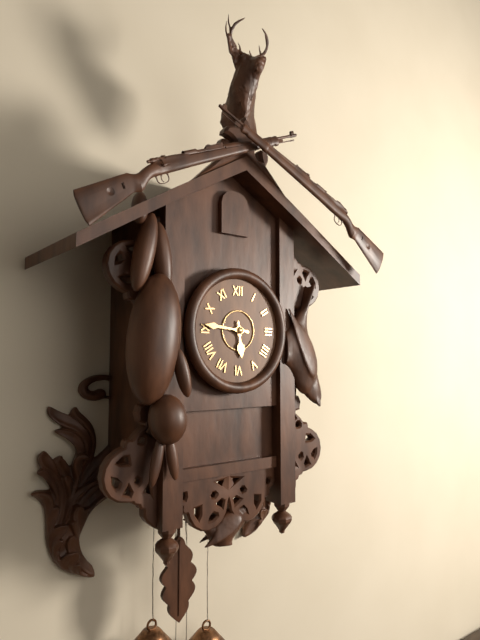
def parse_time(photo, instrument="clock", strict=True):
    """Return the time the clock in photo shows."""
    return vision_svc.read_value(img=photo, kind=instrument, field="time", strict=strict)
5:46
